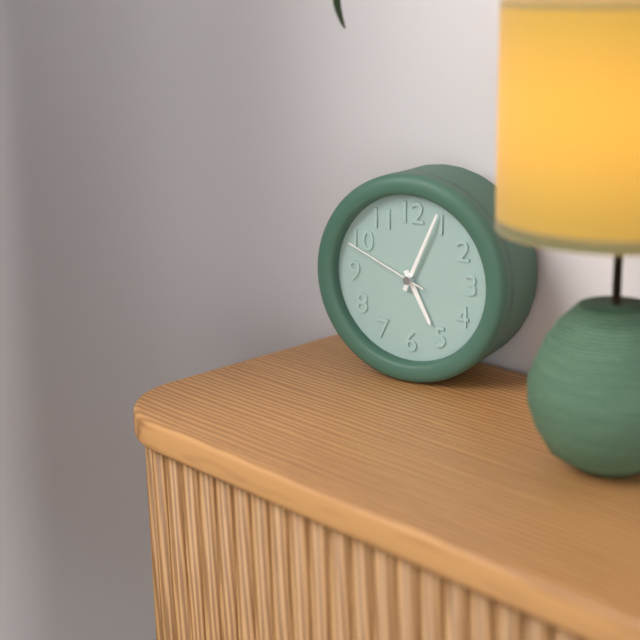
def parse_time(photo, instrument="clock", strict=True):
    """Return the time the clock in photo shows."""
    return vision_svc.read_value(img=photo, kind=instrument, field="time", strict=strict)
5:04:49
